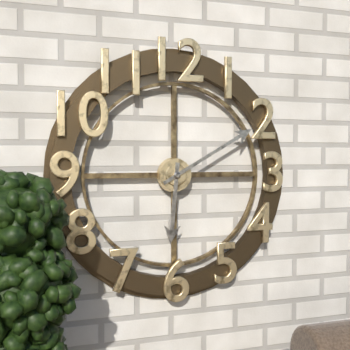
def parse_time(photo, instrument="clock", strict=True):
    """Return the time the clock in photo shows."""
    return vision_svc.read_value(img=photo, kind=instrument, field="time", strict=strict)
6:10
